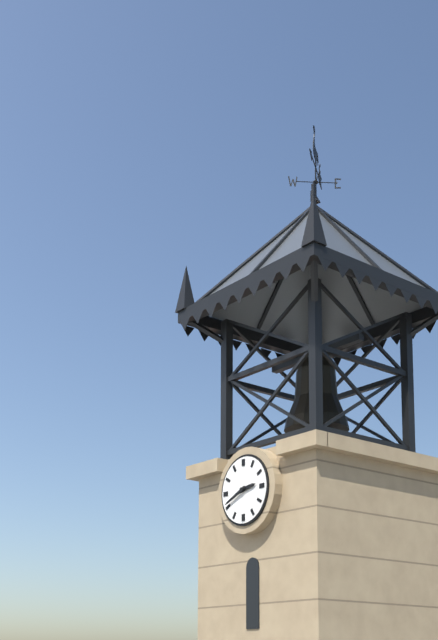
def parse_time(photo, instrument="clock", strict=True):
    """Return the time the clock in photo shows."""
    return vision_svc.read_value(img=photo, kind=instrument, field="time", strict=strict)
2:41
